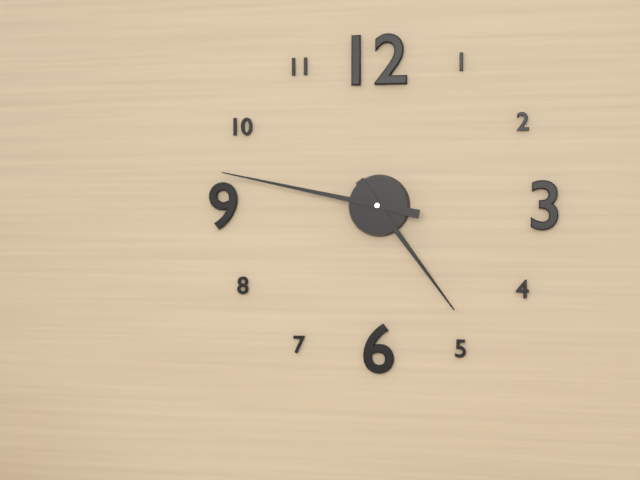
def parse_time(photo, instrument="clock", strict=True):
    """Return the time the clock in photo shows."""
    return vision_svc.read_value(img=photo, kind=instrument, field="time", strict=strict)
4:47
